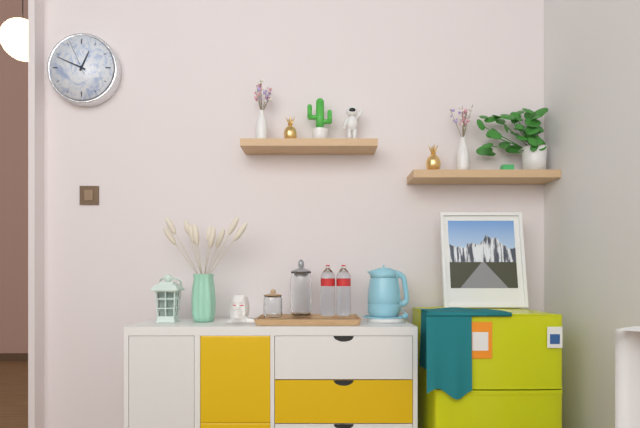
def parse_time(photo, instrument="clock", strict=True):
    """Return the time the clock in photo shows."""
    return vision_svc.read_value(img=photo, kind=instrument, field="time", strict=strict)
12:49
